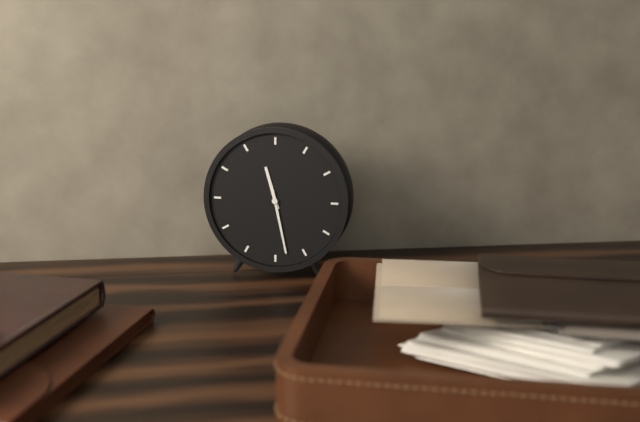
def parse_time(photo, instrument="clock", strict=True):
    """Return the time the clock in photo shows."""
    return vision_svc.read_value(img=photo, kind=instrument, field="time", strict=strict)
11:28
